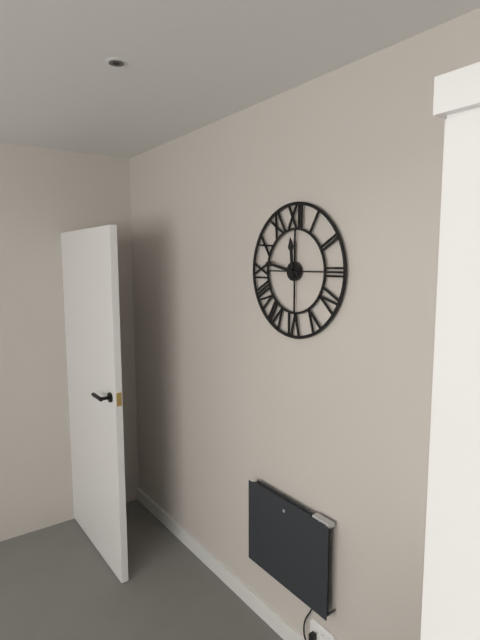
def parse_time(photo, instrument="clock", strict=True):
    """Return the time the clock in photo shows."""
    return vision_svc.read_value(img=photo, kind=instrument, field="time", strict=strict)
11:47
